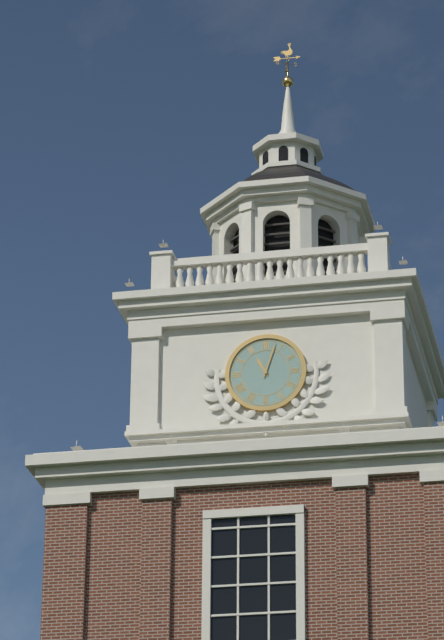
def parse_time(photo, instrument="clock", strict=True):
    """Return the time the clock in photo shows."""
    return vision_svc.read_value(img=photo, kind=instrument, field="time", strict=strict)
11:03
